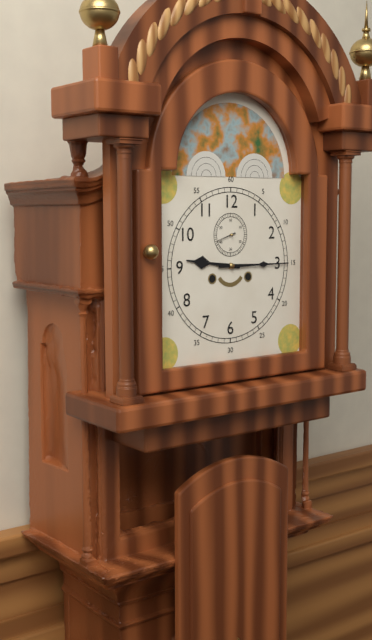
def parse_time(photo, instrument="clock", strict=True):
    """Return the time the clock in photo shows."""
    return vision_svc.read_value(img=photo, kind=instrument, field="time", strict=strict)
9:15
